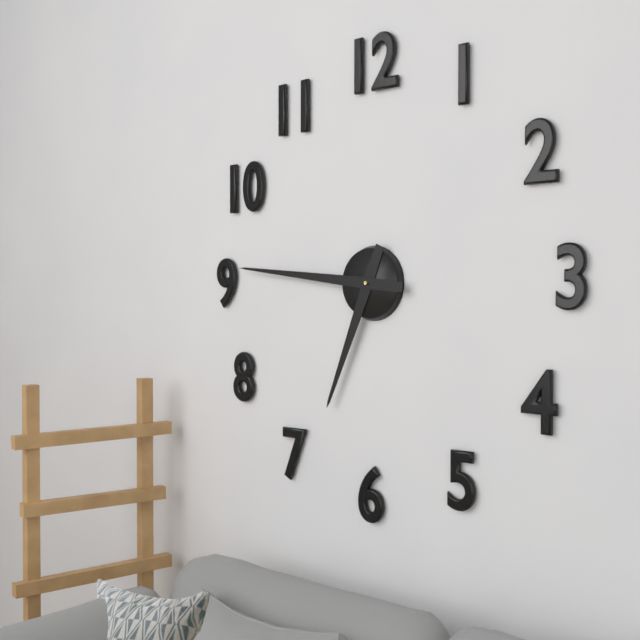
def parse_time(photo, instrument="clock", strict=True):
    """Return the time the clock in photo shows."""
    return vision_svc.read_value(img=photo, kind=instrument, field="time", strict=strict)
6:46
